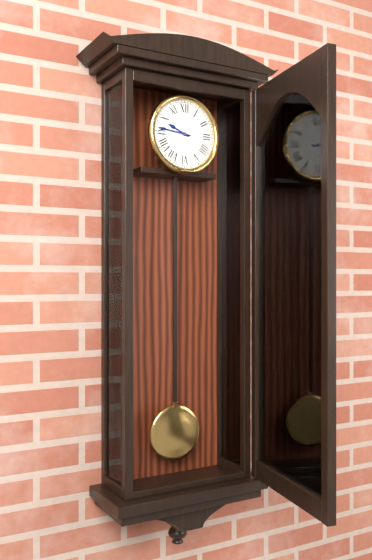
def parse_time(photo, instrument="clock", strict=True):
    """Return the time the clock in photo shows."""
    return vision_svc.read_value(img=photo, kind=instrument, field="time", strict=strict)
9:46
